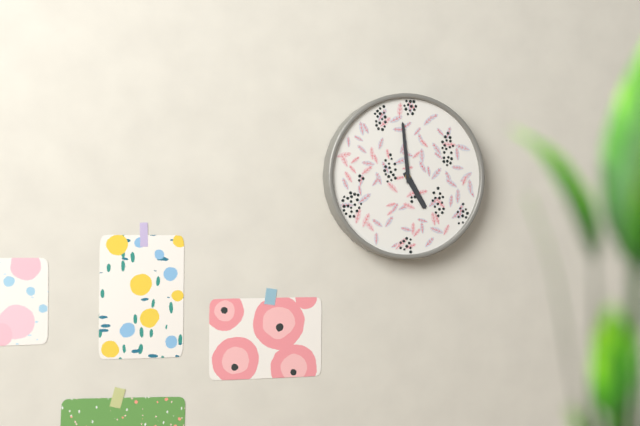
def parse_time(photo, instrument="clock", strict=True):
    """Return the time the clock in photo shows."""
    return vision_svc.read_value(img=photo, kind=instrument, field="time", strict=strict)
4:59
